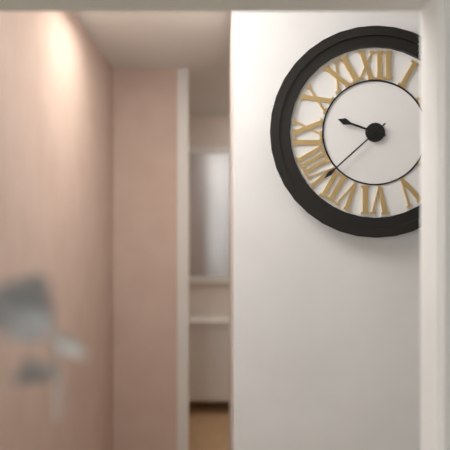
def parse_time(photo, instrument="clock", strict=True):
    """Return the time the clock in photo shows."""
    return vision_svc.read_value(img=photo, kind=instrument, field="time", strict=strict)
9:38
